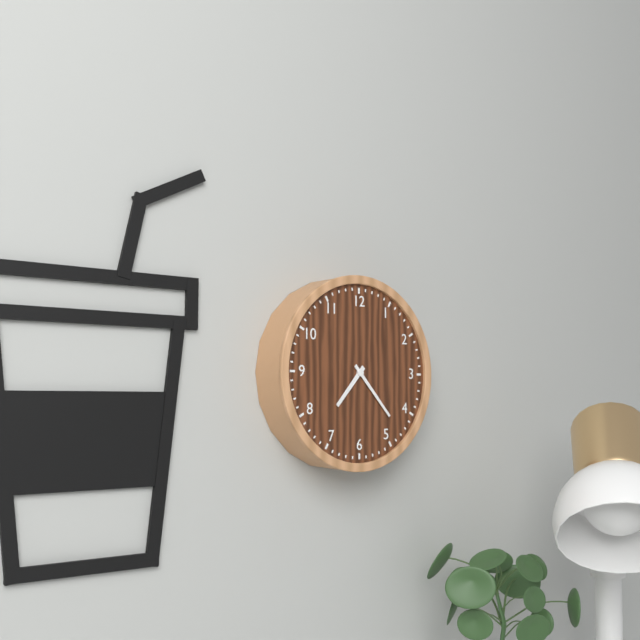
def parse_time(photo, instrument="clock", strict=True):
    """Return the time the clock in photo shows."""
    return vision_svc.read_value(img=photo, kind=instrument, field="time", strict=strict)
7:23
